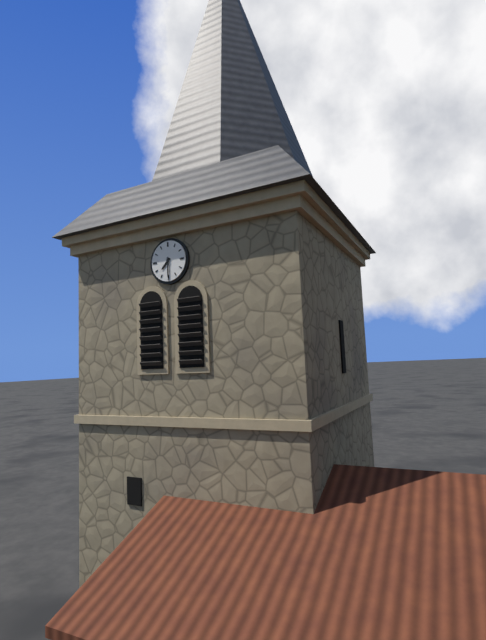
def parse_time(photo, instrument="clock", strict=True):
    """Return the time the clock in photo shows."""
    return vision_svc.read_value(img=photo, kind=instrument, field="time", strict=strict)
7:30
